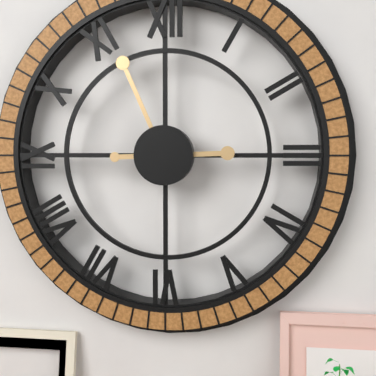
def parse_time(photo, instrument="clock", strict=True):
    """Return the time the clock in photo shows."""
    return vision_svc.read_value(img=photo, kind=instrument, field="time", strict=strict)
2:56
